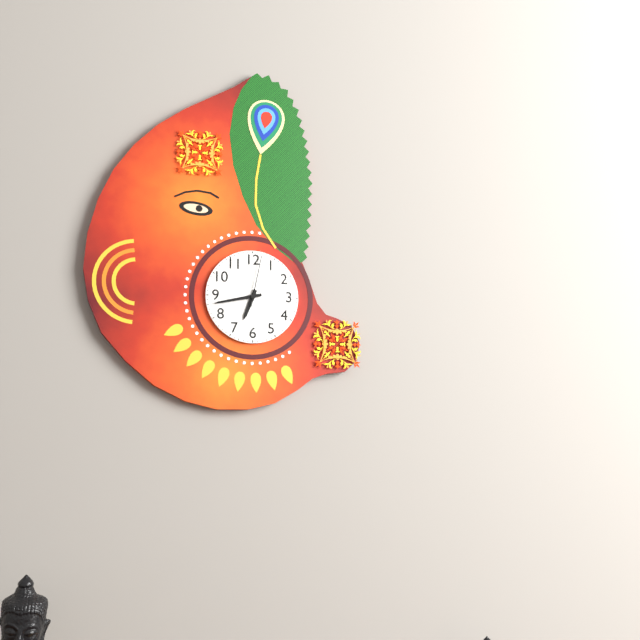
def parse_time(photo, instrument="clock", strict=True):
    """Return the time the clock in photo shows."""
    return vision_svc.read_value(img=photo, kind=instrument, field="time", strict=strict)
6:43:02
